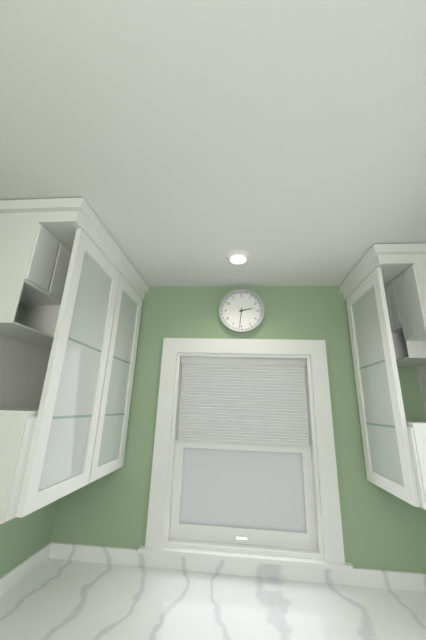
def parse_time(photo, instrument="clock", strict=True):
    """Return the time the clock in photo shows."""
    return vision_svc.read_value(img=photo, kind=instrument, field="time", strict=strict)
2:31
